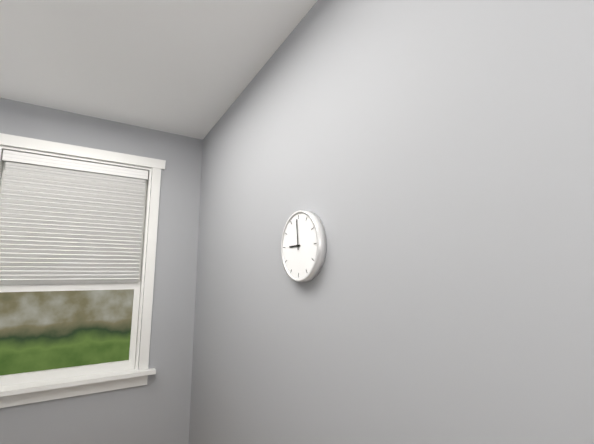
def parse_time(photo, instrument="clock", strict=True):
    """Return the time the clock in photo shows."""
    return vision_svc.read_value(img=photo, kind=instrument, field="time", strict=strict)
8:59
